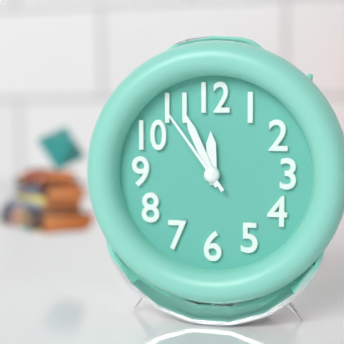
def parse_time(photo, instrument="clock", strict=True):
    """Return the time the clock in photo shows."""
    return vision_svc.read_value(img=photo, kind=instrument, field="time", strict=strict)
11:56:54
